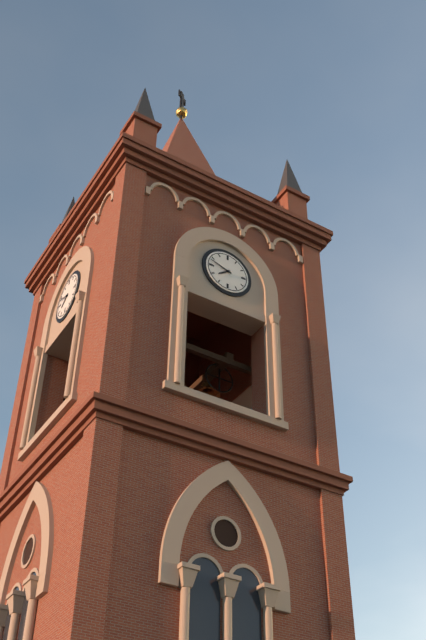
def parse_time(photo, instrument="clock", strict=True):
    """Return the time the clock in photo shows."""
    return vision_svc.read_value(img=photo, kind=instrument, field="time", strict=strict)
7:48
